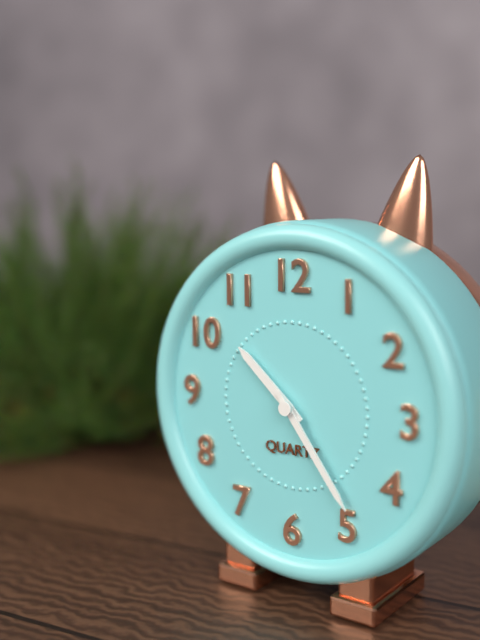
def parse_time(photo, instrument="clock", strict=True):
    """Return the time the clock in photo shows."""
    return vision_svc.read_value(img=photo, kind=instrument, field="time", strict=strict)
10:24
